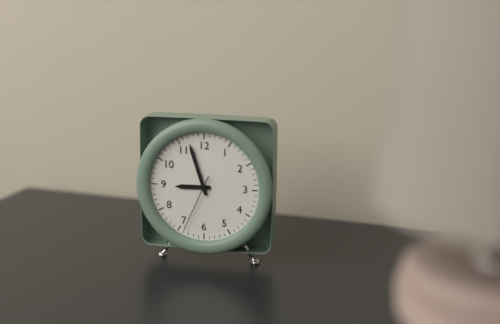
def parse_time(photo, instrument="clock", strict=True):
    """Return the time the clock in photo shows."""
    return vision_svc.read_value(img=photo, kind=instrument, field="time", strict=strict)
8:57:34
